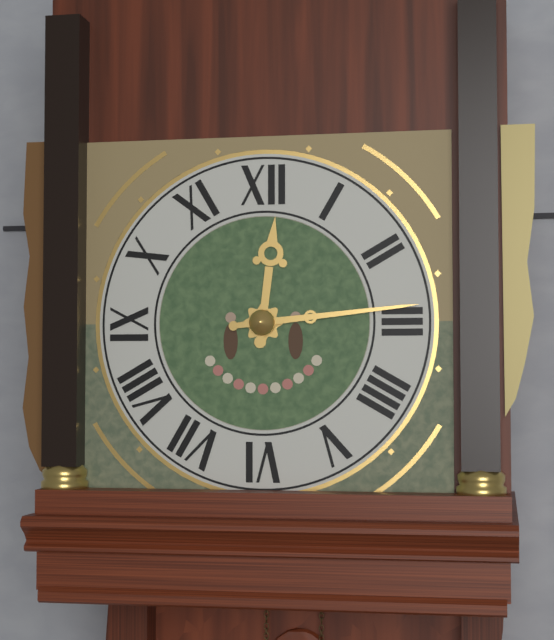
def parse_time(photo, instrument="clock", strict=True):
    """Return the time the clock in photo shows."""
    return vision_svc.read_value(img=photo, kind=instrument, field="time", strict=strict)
12:14
